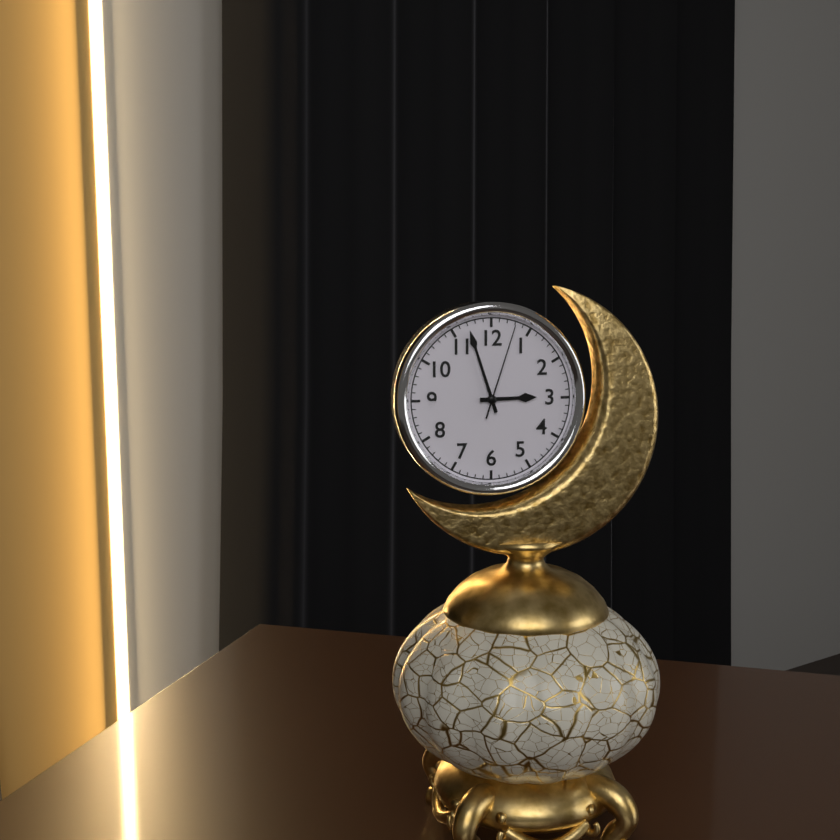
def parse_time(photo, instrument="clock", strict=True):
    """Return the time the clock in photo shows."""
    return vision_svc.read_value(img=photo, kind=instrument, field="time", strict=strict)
2:57:03
